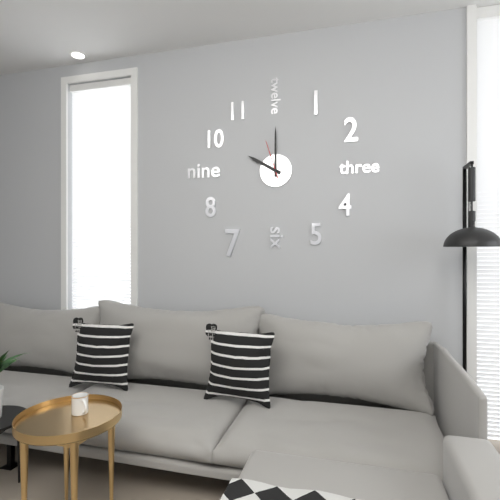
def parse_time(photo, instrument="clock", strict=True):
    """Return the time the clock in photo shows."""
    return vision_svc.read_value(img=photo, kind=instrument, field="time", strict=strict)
10:00
